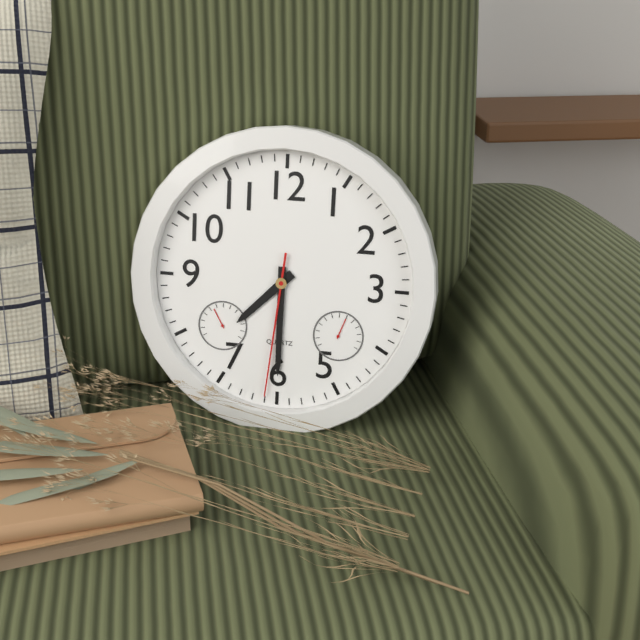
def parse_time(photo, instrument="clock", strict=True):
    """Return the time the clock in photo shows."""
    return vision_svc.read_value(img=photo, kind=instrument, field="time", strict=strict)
7:30:31
